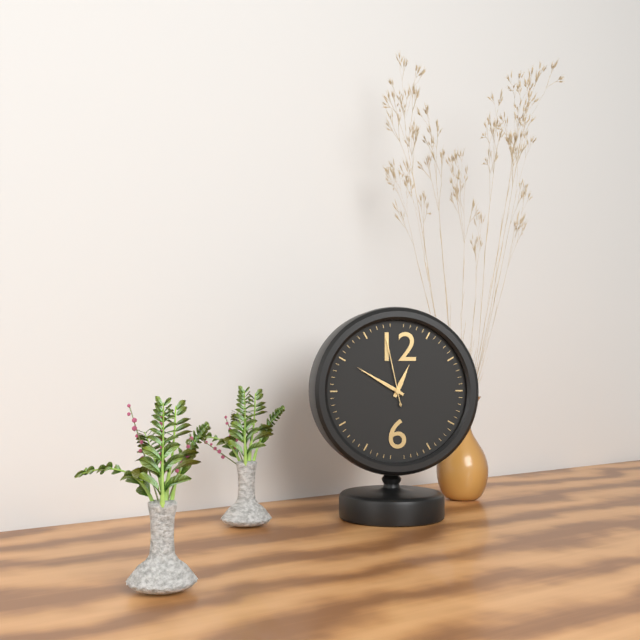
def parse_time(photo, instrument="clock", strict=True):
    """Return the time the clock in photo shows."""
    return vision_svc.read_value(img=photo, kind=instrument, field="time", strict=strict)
12:50:58
